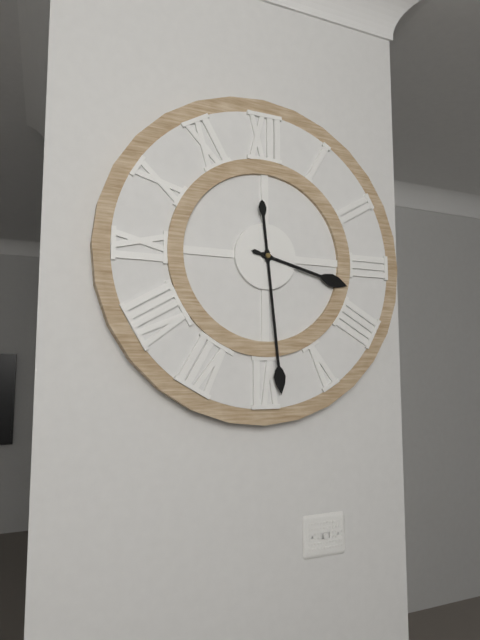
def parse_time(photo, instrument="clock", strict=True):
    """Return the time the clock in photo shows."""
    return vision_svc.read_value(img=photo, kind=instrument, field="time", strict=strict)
3:29
